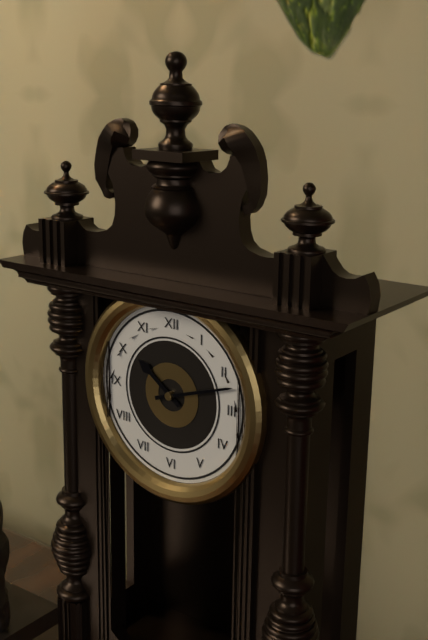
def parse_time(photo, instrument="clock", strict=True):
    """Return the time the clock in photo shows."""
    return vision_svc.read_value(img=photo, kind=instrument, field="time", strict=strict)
10:12
